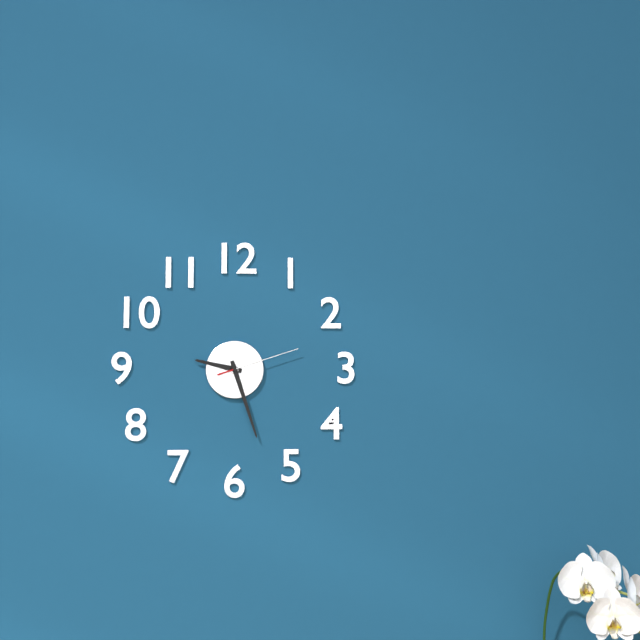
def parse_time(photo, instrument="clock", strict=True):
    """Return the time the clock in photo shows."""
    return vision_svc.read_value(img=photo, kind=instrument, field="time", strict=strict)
9:27:12
